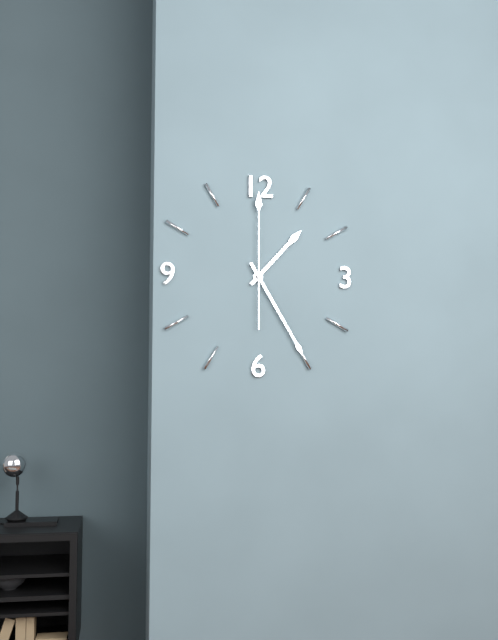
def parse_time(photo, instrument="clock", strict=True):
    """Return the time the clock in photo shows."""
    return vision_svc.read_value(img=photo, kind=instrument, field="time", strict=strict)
1:25:00
